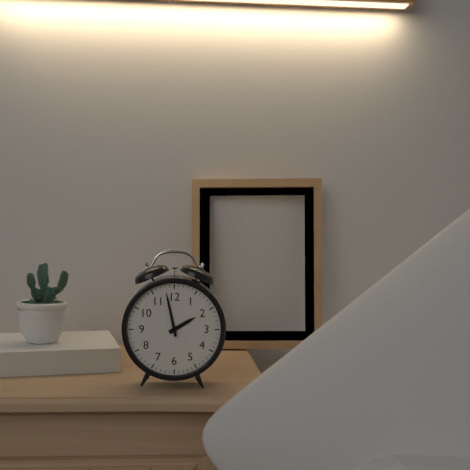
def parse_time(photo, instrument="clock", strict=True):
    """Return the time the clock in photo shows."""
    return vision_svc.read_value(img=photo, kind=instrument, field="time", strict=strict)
1:58
